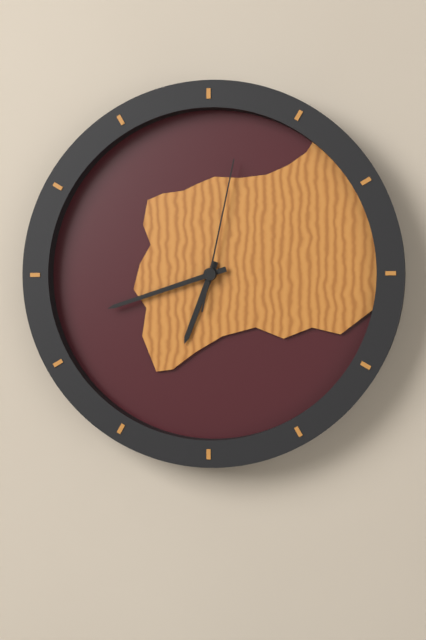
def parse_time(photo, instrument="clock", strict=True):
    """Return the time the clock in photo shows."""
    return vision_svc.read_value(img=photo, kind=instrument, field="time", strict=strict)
6:42:02
